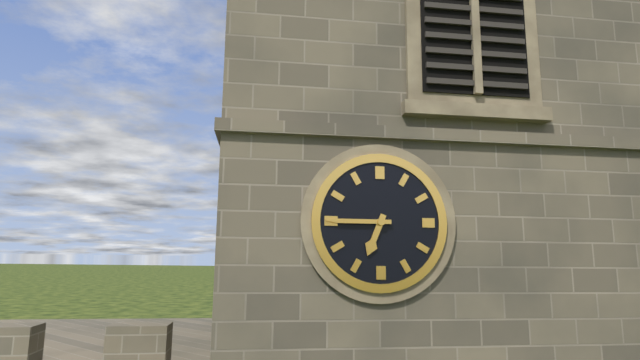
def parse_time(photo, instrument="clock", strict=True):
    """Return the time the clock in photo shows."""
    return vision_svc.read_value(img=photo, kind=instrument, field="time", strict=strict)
6:45
